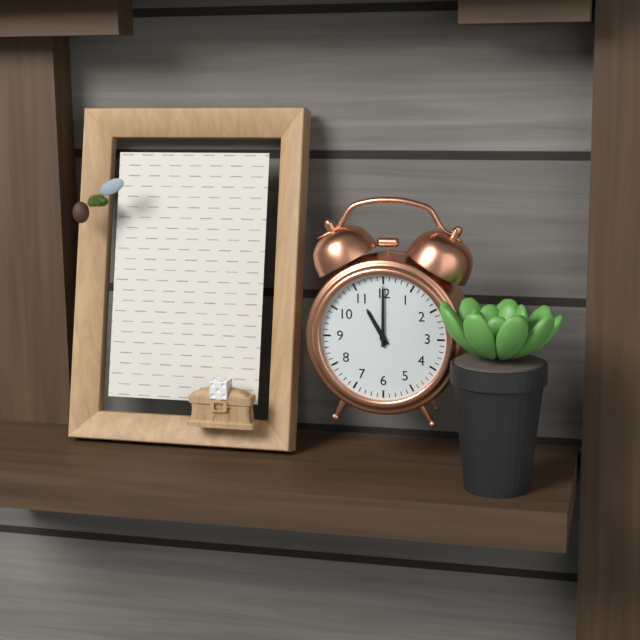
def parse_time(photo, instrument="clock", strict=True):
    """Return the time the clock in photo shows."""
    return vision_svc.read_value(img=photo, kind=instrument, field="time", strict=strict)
11:00
